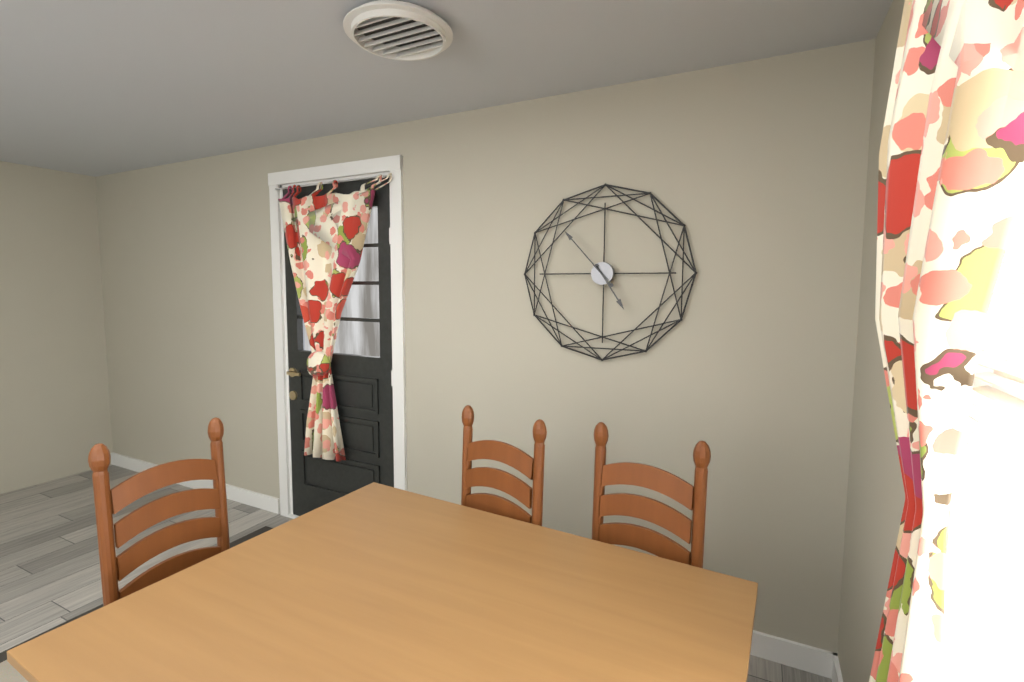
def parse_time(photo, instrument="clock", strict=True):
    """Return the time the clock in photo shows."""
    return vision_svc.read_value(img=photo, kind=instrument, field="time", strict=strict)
4:53
